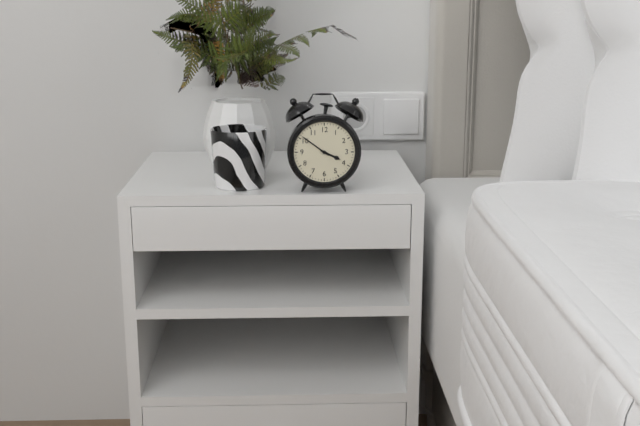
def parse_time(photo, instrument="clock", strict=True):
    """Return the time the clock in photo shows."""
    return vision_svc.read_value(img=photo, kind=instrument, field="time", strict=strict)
3:51
